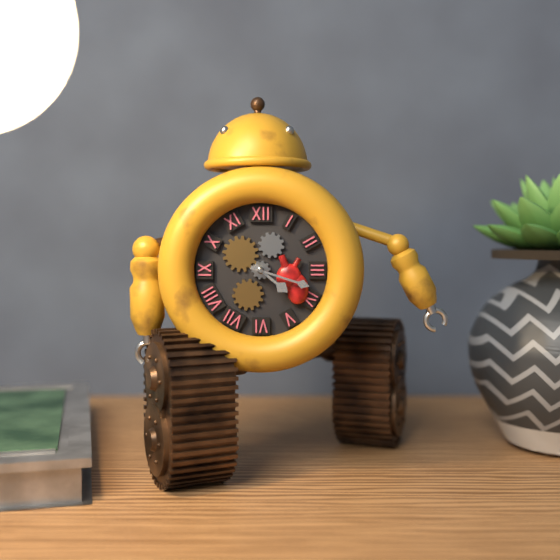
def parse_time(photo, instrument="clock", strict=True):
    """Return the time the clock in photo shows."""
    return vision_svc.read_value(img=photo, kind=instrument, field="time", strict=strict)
4:18
